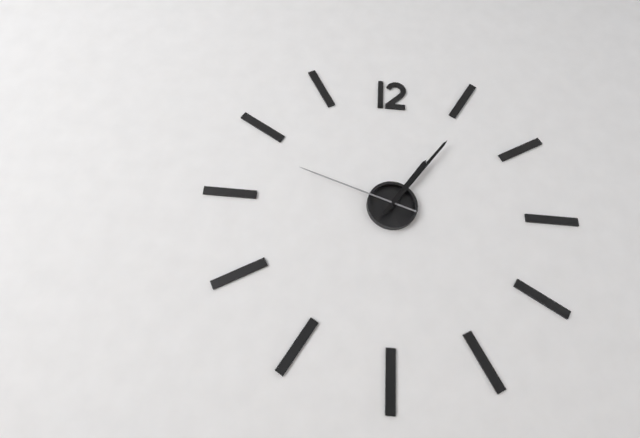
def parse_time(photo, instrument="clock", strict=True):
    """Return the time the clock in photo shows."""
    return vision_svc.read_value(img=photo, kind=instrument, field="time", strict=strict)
1:06:48
